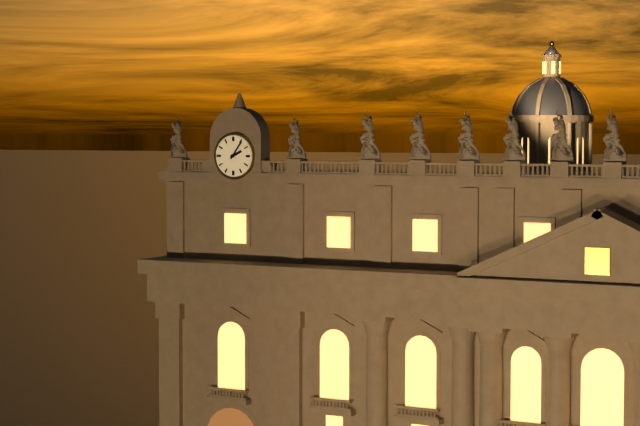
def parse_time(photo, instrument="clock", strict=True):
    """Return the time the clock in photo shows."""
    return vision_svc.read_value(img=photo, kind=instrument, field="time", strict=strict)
2:06
